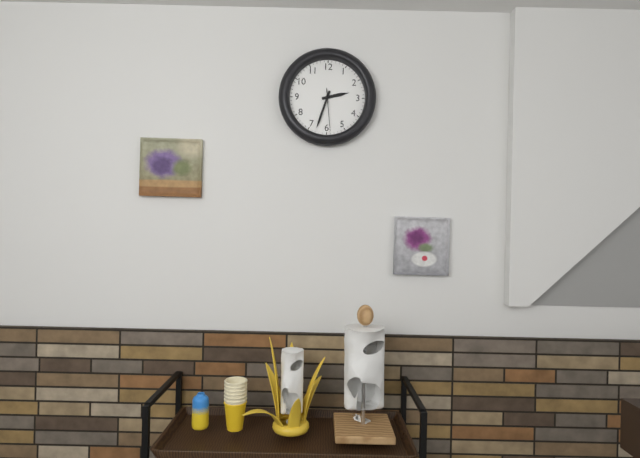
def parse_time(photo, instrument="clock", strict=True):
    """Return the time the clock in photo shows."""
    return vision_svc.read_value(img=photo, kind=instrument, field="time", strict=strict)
2:33
